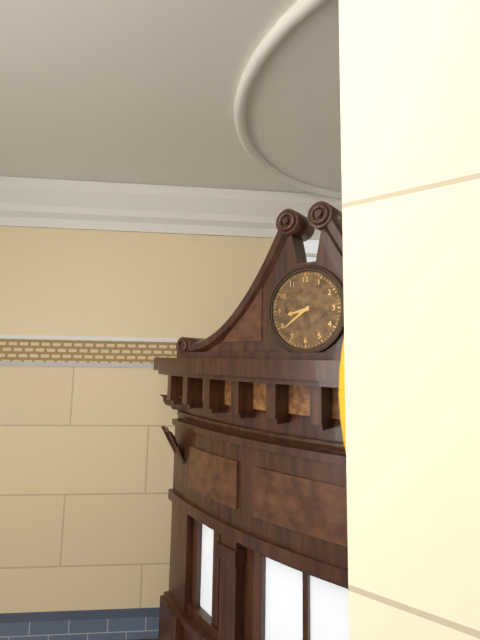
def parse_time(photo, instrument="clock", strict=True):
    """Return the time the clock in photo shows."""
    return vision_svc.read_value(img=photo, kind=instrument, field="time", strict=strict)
8:39
